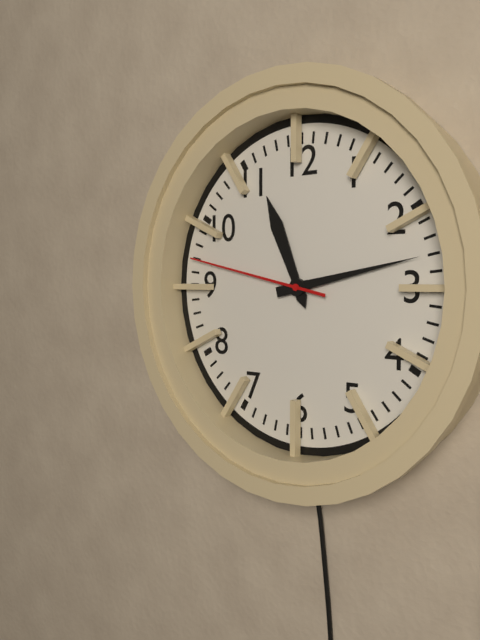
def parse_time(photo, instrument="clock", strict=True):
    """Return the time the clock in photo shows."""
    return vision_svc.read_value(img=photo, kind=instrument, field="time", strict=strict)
11:13:47
